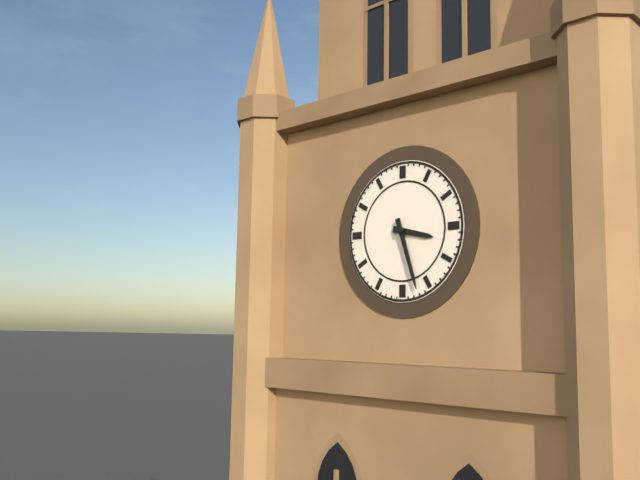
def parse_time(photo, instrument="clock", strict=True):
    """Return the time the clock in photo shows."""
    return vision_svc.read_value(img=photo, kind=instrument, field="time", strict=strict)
3:27
